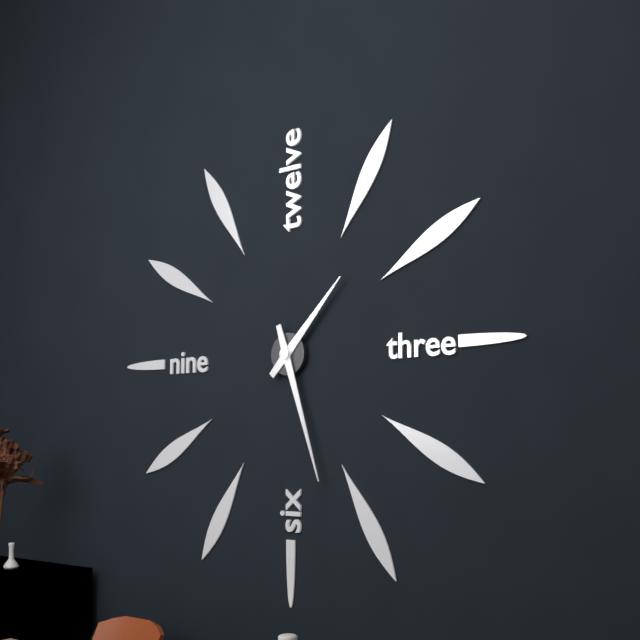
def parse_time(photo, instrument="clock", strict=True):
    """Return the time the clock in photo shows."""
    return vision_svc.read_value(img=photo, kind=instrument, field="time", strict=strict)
1:27
